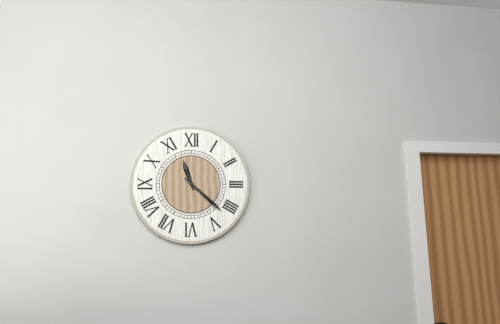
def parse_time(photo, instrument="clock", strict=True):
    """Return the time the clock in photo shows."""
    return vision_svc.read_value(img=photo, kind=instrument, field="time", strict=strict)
11:22
